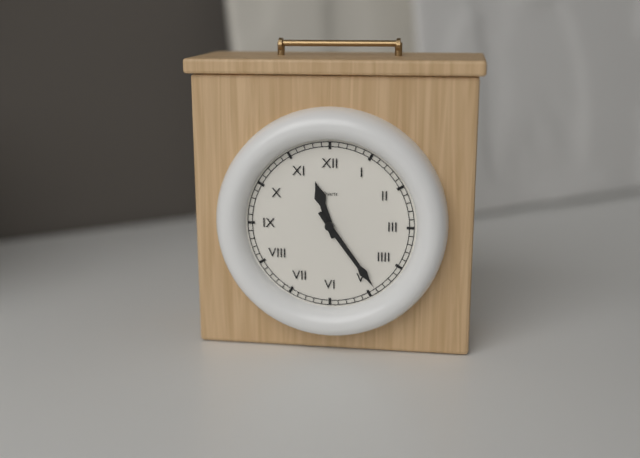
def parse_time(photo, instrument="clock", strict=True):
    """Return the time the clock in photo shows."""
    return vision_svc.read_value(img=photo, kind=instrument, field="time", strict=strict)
11:24
